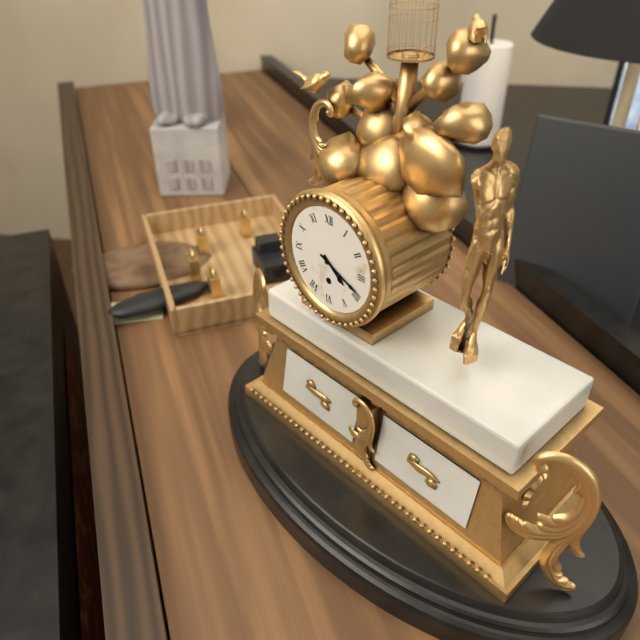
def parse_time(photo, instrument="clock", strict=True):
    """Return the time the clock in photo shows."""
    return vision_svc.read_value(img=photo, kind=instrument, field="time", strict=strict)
4:19
